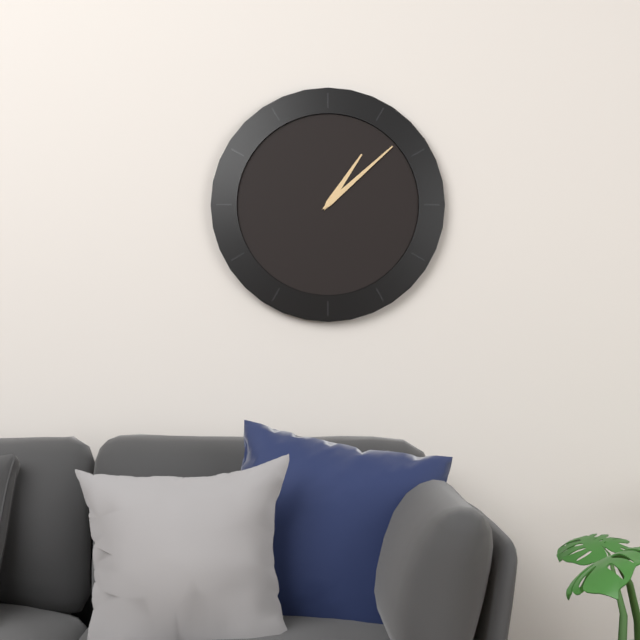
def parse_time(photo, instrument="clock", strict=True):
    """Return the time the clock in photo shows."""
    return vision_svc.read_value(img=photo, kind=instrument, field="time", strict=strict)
1:08
